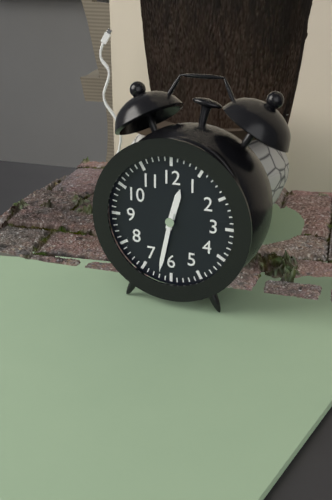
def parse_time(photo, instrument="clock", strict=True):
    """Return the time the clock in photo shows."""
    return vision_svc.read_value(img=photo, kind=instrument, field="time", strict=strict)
12:32
